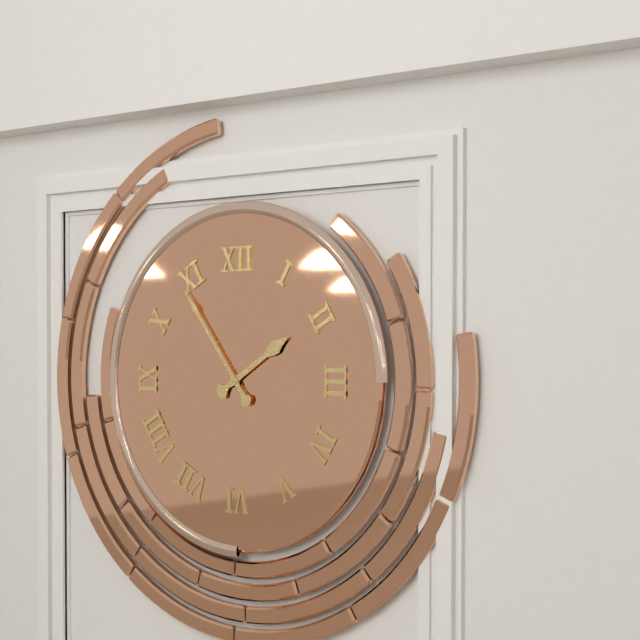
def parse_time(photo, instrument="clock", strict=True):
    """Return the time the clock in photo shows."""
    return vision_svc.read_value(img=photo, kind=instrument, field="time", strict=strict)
1:54
